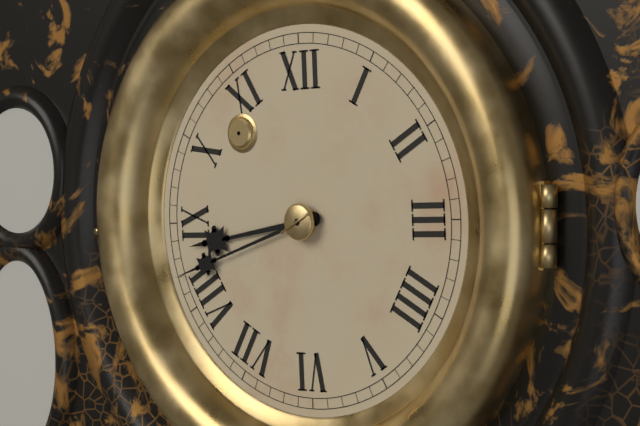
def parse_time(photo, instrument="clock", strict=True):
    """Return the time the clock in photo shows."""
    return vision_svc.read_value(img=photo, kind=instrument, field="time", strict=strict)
8:42
